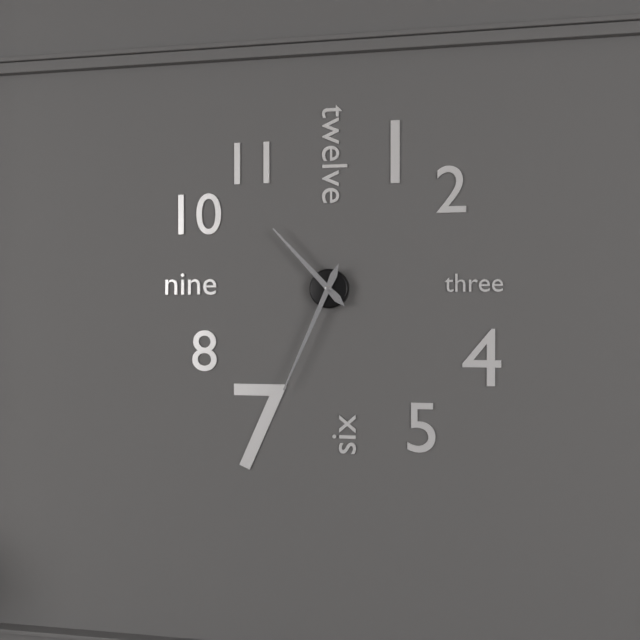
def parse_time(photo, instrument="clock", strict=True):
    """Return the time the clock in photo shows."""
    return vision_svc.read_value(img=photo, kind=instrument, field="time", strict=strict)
10:34
